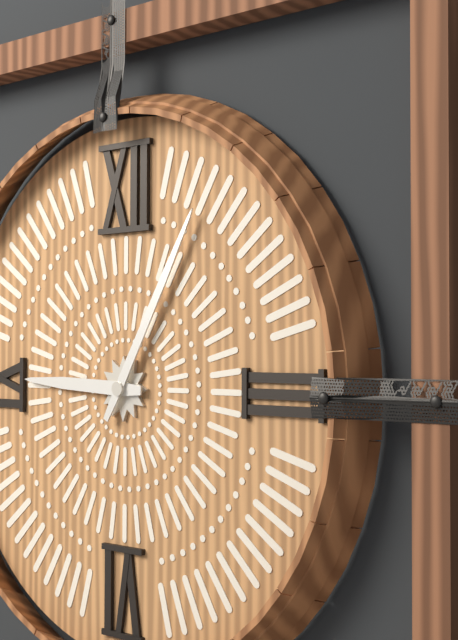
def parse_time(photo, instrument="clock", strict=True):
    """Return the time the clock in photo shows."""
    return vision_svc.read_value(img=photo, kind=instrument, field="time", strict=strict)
9:05
